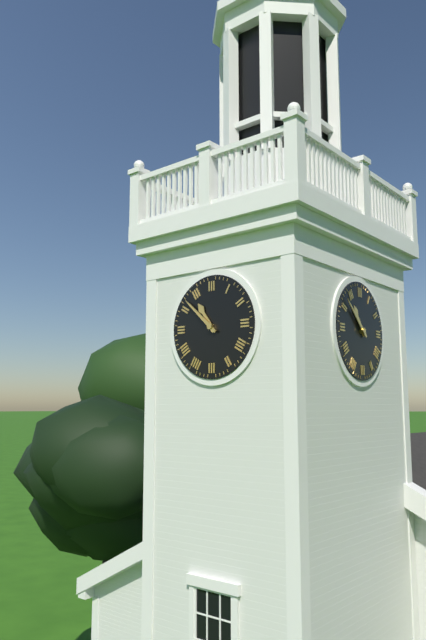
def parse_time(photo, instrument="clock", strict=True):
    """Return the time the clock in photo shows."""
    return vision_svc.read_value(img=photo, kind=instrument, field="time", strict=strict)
10:52
